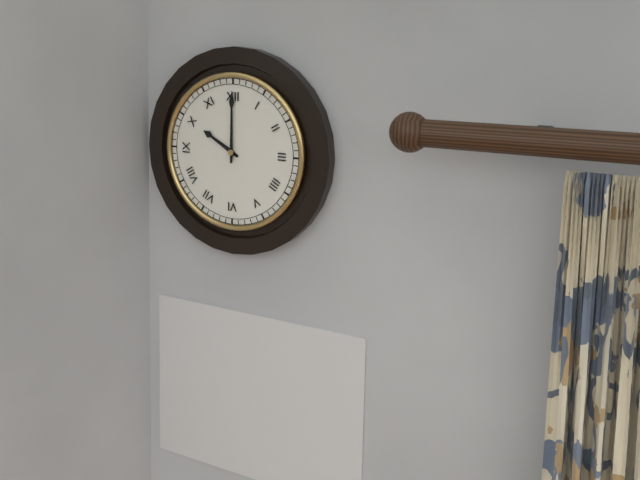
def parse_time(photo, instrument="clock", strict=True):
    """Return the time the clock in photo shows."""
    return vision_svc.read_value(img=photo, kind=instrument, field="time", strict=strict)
10:00
